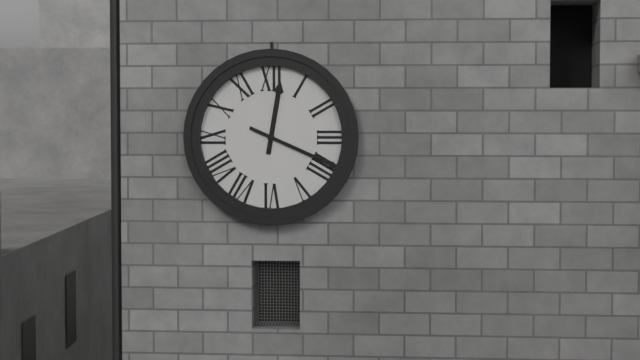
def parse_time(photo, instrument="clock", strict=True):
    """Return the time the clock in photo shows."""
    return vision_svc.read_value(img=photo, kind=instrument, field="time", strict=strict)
12:19
